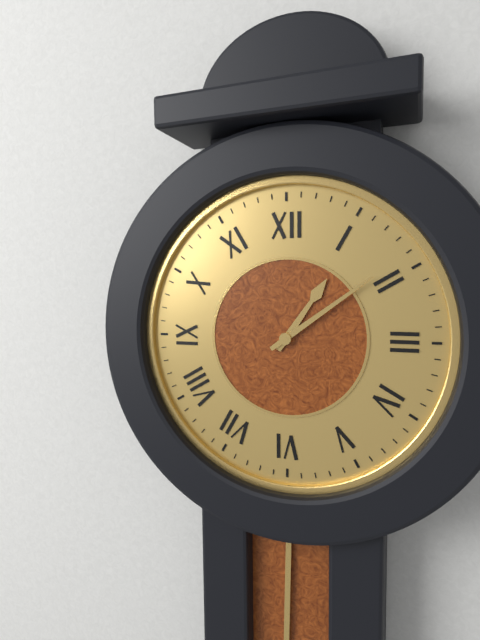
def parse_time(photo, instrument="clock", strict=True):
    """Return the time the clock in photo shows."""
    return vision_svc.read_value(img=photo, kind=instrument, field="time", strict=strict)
1:09
